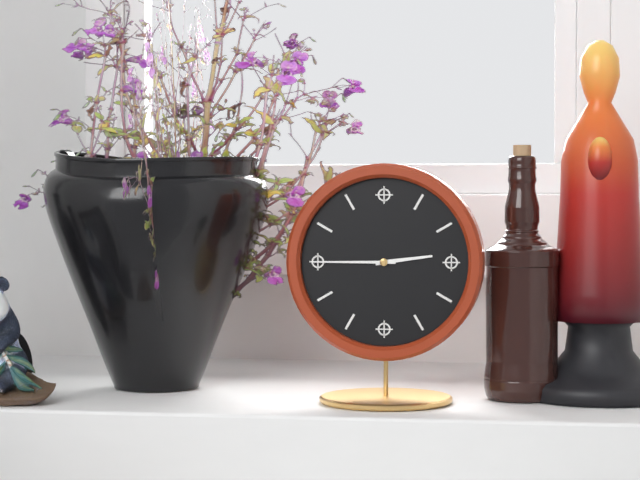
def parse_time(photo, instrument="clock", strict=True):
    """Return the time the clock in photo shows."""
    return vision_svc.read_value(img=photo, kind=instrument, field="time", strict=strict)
2:45
